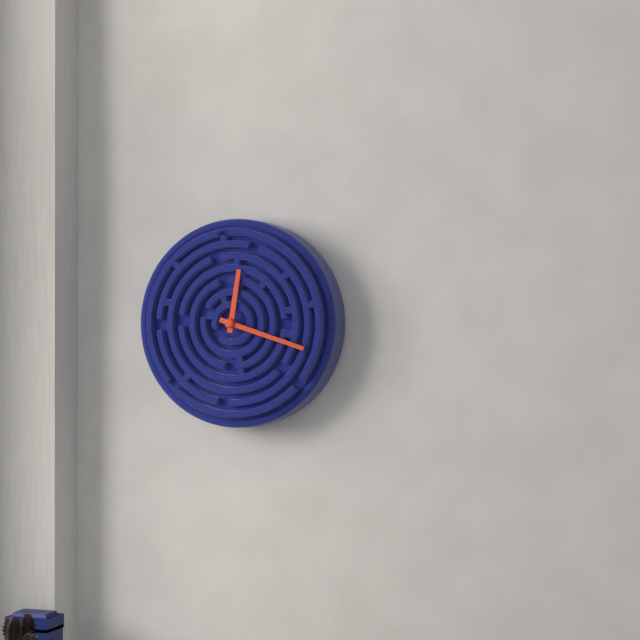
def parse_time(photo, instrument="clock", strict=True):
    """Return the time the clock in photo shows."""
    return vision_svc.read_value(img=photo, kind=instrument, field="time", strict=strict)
12:18
